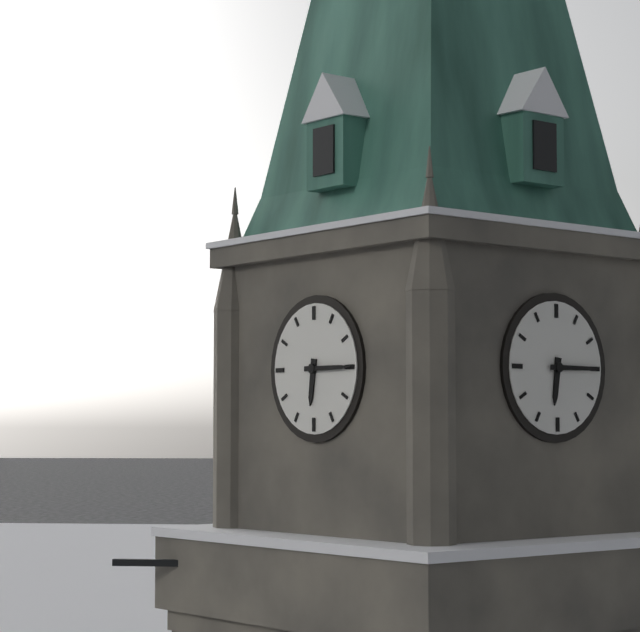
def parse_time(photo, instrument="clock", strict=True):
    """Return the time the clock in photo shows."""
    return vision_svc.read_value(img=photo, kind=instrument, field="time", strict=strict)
6:15
